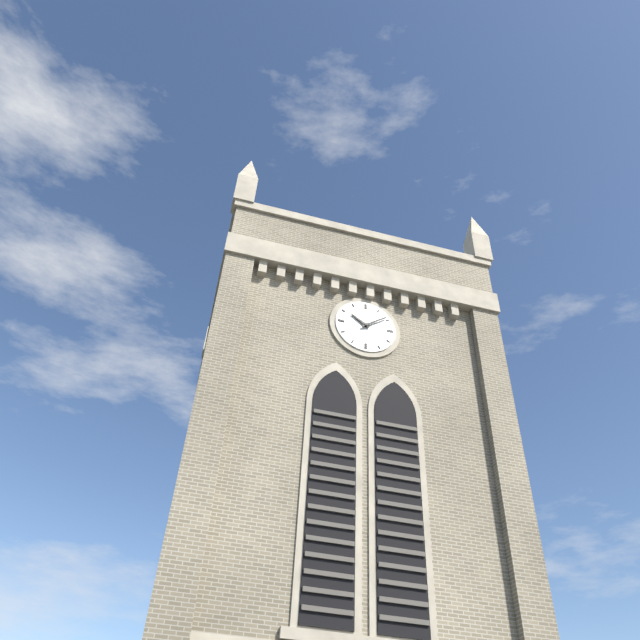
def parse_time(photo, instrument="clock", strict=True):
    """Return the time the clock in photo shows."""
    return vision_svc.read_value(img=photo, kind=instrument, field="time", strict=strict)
10:09
